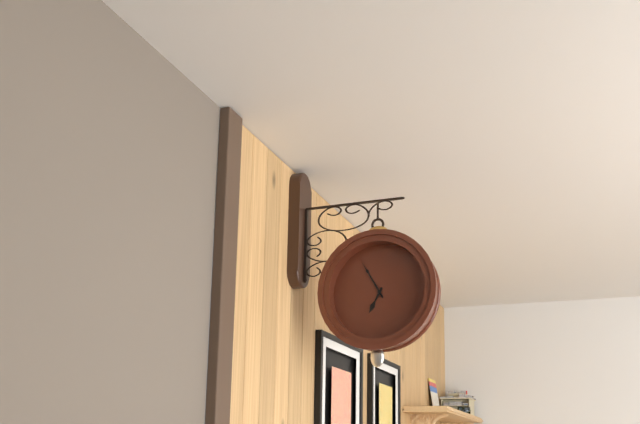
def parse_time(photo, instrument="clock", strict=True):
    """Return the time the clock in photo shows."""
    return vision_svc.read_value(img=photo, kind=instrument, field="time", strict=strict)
6:55
